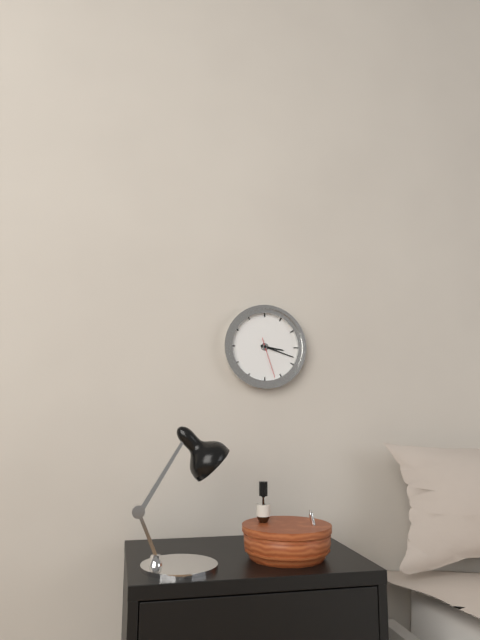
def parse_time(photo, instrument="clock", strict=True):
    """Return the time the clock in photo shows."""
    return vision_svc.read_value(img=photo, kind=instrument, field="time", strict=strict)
3:18
